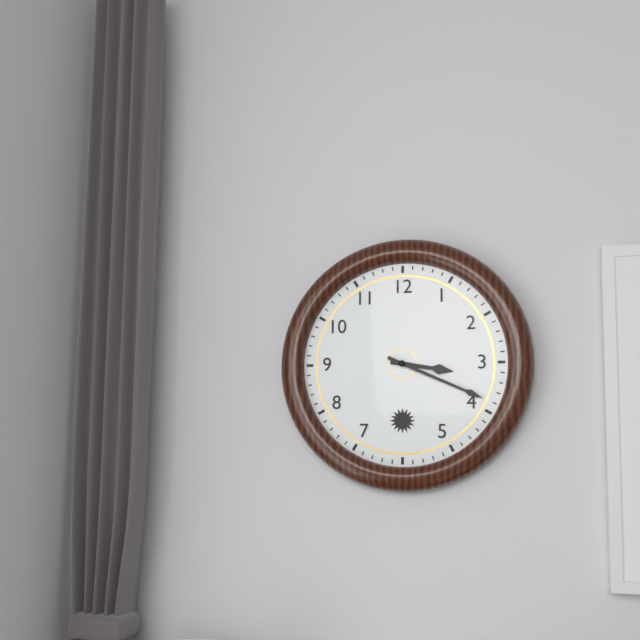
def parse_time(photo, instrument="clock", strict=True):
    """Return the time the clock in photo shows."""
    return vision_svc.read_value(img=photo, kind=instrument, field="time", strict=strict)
3:19
